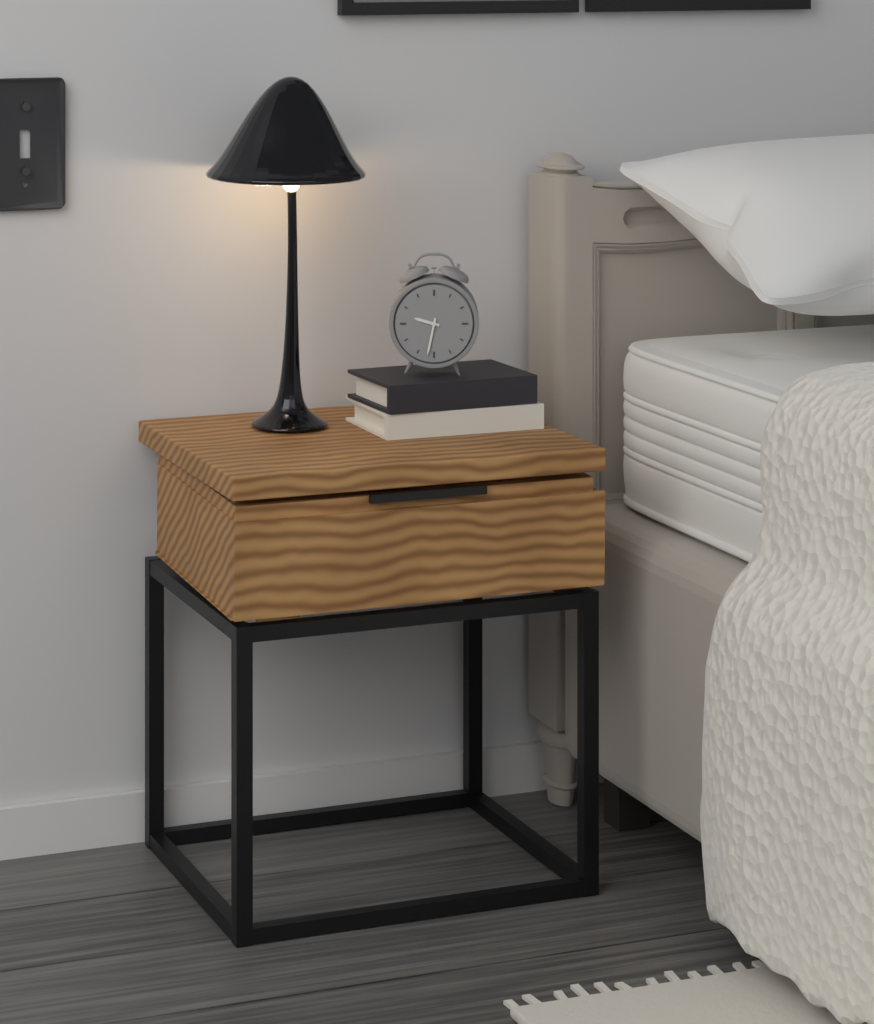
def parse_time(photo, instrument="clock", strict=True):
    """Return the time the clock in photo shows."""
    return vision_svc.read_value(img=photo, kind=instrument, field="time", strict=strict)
9:32
